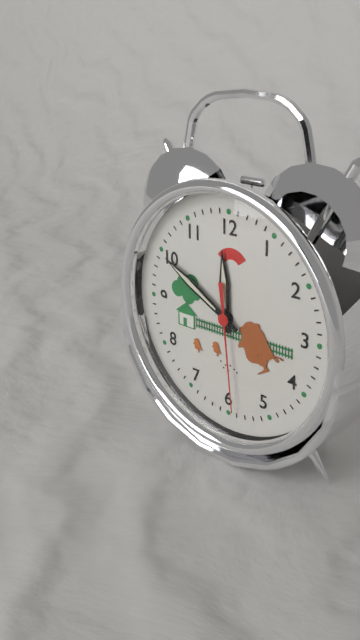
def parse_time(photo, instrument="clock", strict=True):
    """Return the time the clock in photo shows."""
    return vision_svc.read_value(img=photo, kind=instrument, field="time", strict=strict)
11:50:29
